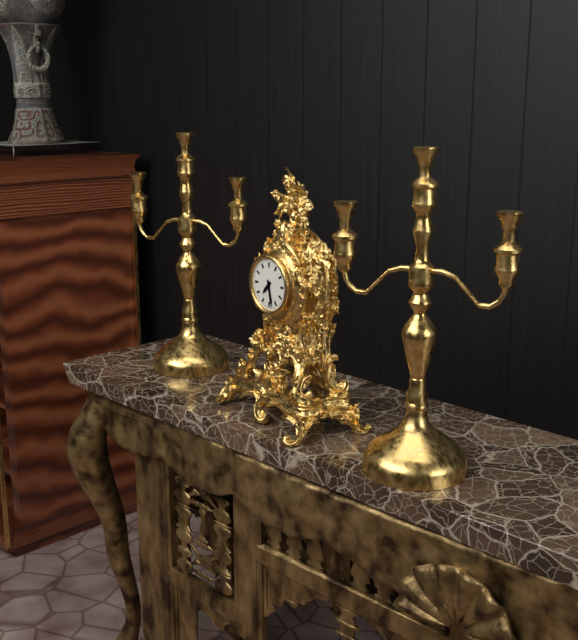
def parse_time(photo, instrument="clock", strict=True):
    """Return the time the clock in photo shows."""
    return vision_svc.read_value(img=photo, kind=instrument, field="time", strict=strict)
7:28
